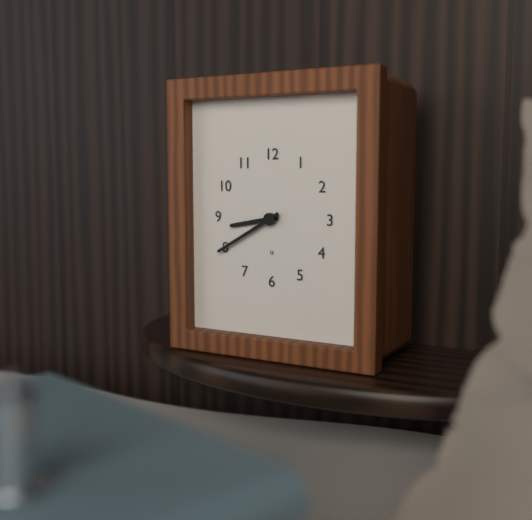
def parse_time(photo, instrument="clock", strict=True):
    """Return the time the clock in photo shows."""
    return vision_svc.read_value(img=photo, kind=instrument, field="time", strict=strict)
8:40
